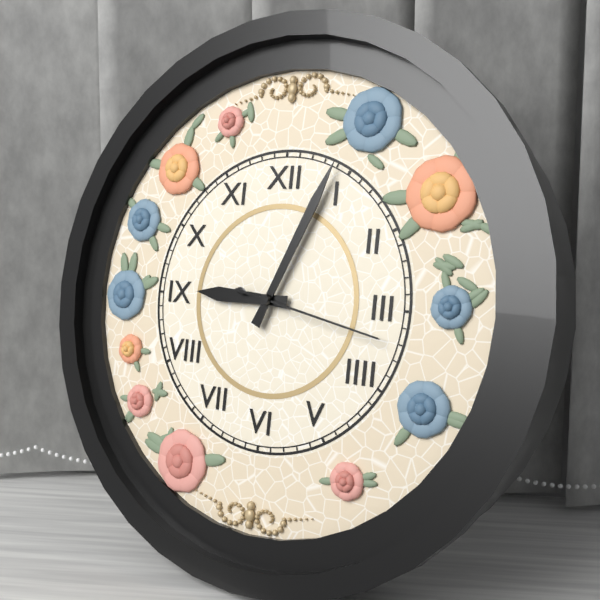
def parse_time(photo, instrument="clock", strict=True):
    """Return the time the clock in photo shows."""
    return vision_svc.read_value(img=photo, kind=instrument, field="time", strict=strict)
9:04:17
